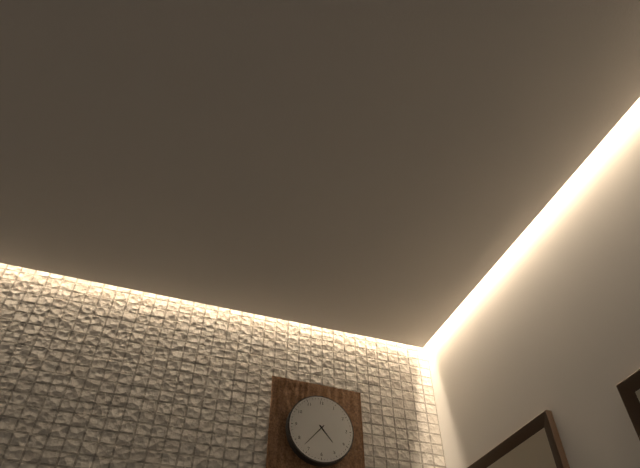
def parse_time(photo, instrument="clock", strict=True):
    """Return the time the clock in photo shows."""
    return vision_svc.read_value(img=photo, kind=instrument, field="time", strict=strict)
4:37
